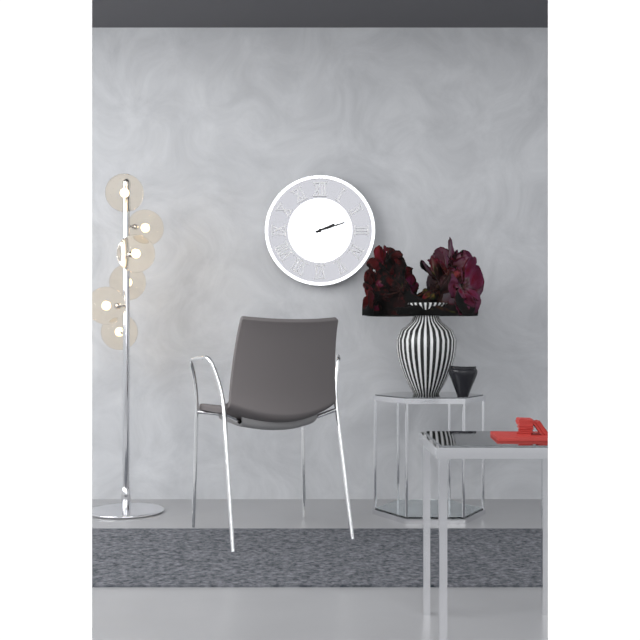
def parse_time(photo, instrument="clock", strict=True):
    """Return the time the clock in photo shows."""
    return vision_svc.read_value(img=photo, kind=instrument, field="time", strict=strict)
2:12
